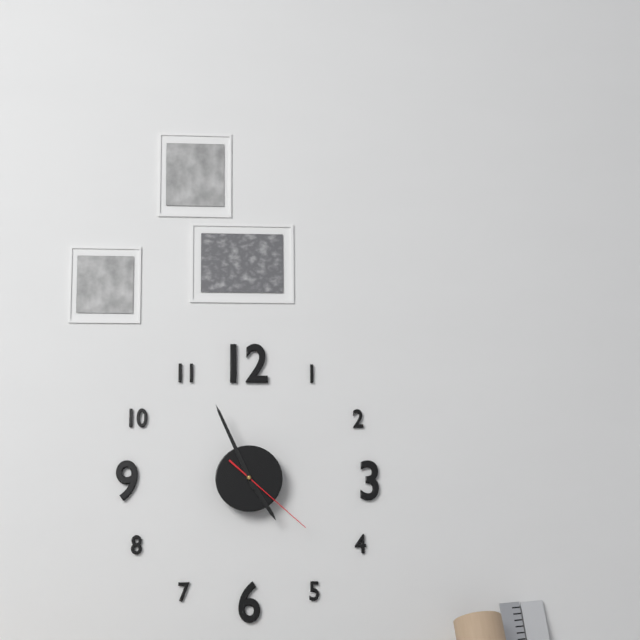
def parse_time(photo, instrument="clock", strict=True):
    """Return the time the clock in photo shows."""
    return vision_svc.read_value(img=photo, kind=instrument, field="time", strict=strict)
4:56:22
